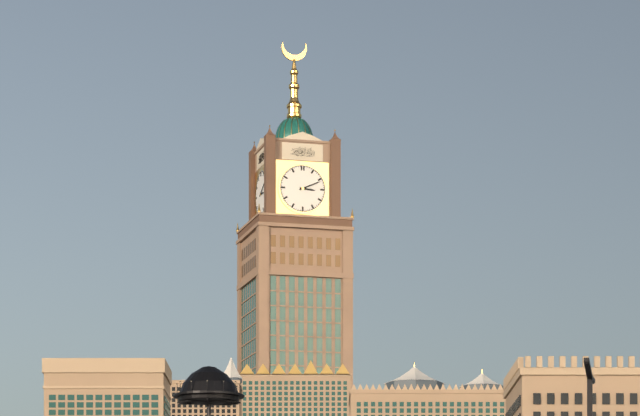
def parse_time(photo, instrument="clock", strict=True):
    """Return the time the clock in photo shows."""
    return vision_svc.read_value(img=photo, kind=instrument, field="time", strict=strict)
3:11
